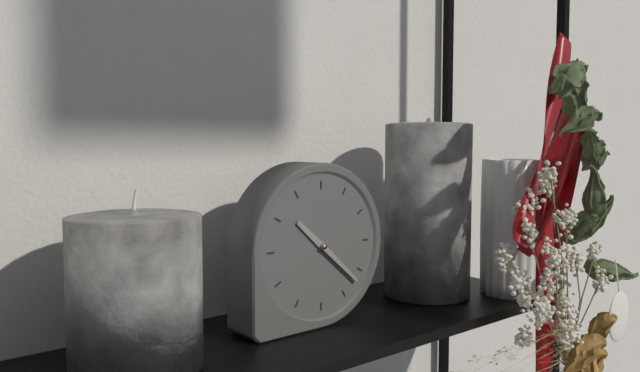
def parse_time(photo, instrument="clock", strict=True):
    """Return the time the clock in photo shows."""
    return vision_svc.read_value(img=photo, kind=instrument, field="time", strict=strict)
10:22
